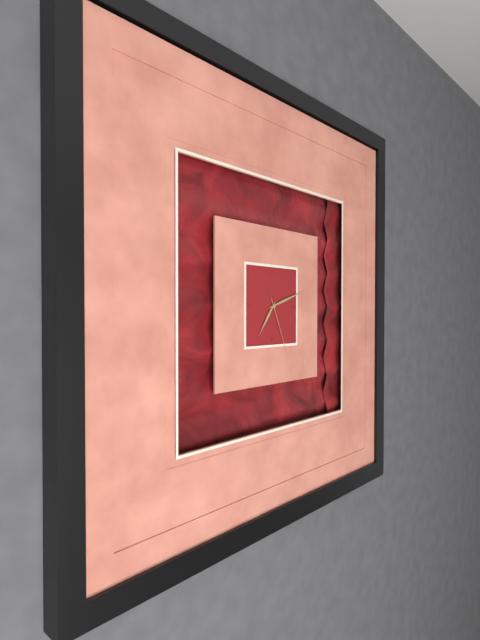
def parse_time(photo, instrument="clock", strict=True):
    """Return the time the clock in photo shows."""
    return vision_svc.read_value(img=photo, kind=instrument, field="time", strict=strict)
7:12:26
